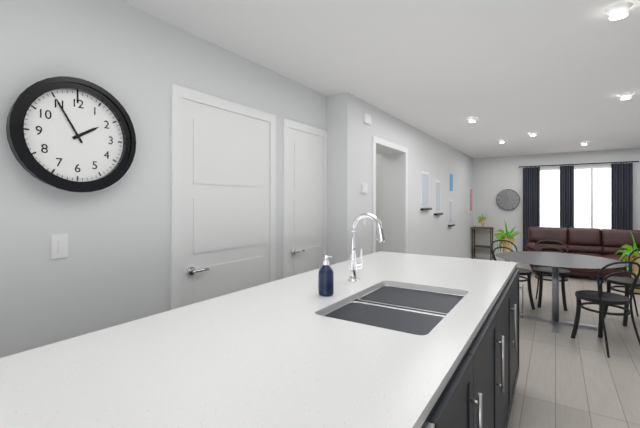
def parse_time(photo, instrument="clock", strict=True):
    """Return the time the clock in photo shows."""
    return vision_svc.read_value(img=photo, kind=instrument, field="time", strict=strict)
1:55
